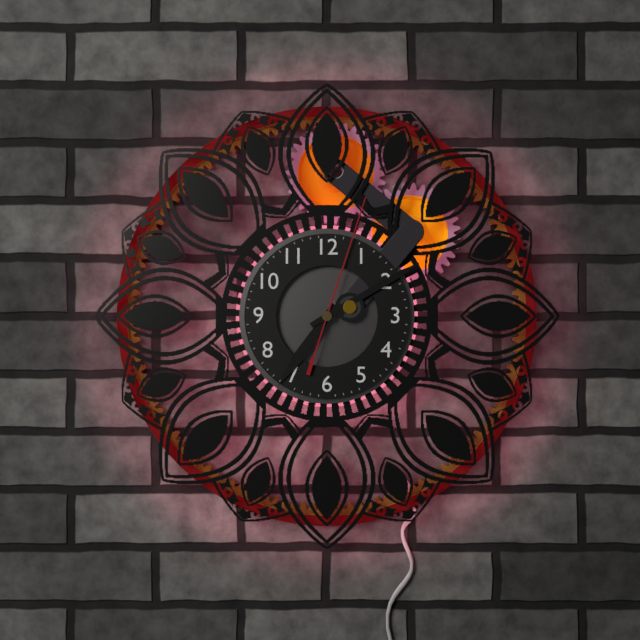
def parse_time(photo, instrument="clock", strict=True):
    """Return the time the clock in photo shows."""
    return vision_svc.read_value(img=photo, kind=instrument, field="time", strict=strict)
7:10:03
